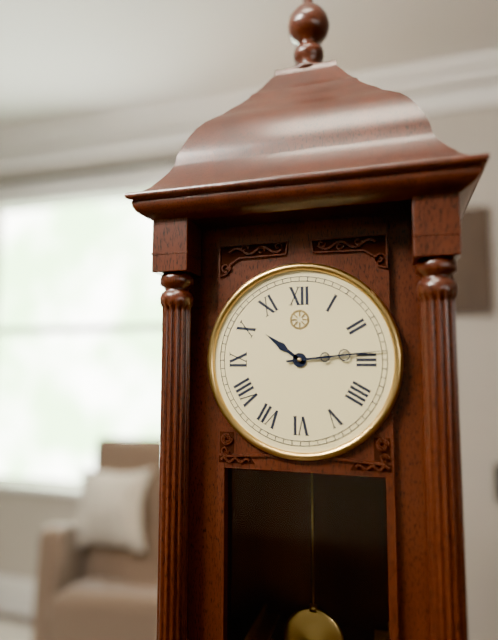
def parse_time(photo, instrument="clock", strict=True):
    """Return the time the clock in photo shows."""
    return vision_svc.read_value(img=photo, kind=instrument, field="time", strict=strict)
10:14
